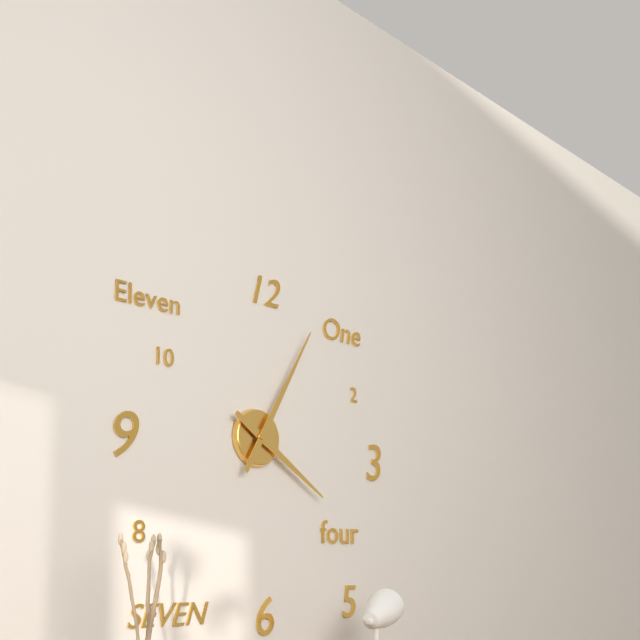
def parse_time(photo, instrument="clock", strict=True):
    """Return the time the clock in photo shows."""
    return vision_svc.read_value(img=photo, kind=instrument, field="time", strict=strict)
4:05
